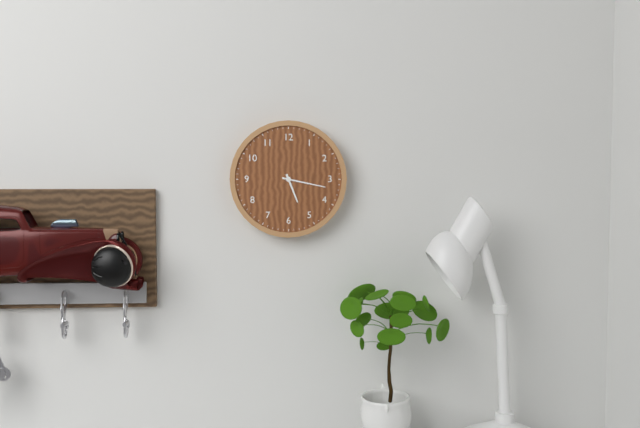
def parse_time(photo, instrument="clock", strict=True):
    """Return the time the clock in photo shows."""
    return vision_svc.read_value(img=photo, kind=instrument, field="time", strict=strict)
5:17
